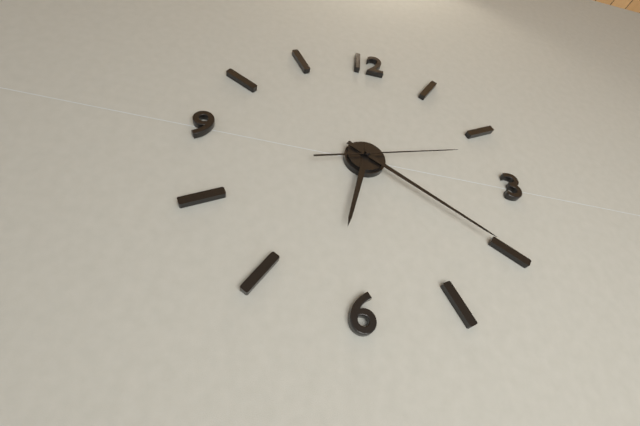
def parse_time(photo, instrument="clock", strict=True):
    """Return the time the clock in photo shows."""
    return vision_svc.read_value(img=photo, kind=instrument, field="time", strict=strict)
6:20:12
